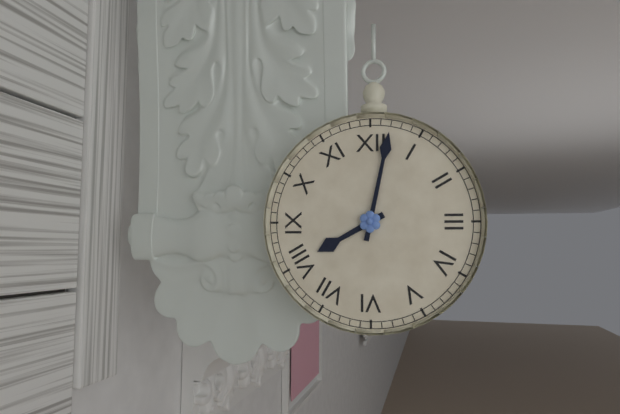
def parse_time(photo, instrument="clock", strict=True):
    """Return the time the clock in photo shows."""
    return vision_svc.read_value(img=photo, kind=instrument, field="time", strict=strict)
8:02
